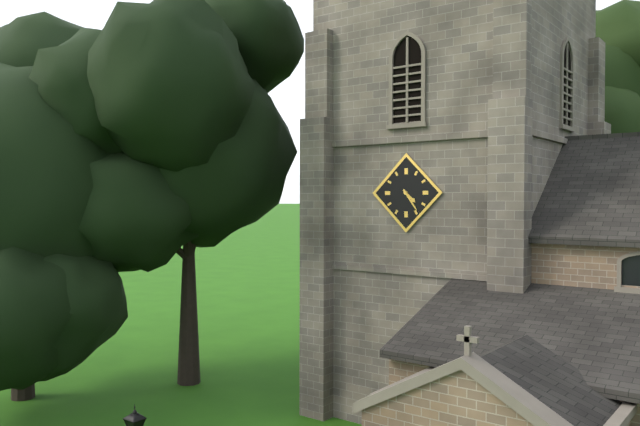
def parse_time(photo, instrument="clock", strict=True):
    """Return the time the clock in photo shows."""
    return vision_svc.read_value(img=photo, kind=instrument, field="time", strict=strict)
4:24
